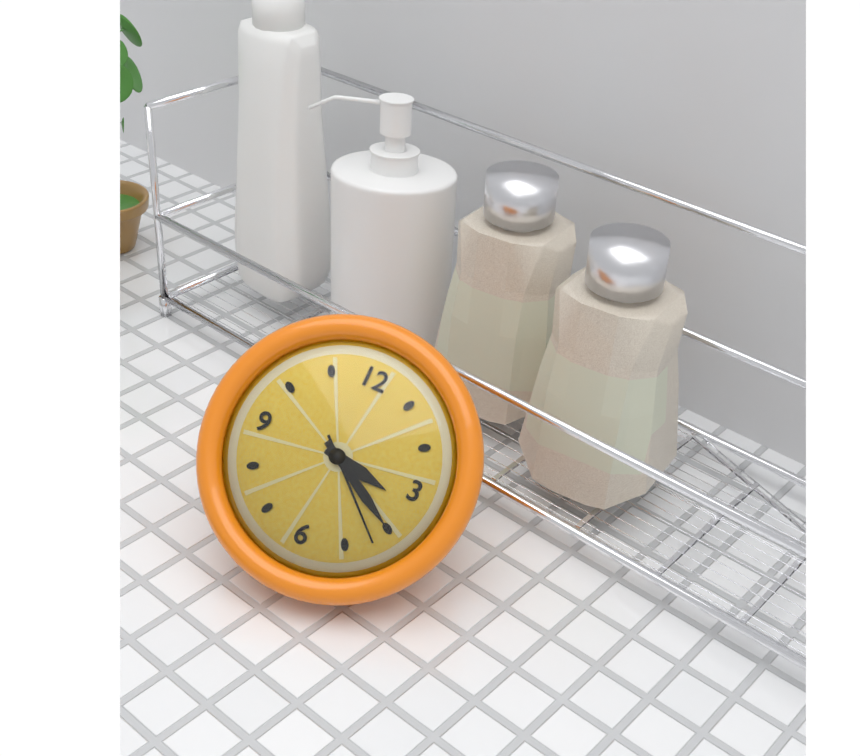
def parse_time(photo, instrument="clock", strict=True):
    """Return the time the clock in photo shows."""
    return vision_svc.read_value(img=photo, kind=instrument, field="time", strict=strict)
3:20:22
